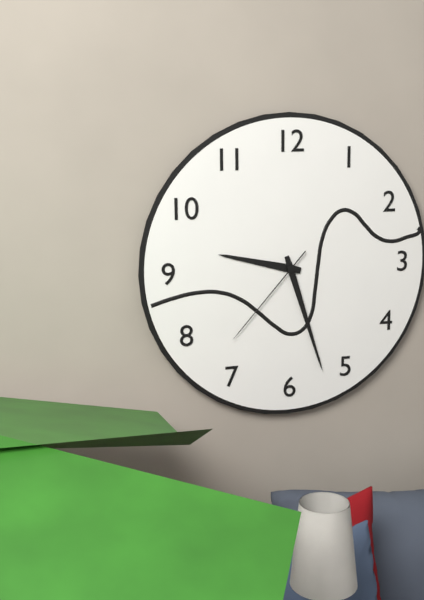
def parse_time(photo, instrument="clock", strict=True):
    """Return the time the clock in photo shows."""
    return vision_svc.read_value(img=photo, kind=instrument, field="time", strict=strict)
9:27:37
